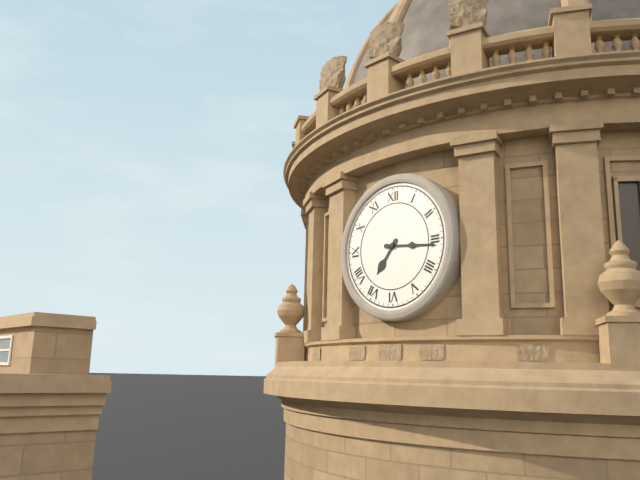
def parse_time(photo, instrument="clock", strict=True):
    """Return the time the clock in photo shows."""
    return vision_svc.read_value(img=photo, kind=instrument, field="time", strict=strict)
7:16
